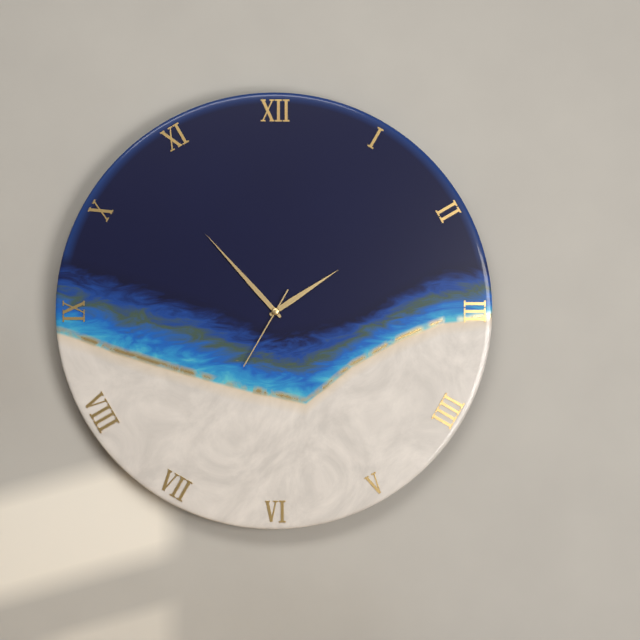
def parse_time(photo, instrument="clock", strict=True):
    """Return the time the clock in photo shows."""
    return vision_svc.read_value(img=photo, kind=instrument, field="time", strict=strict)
1:53:35
